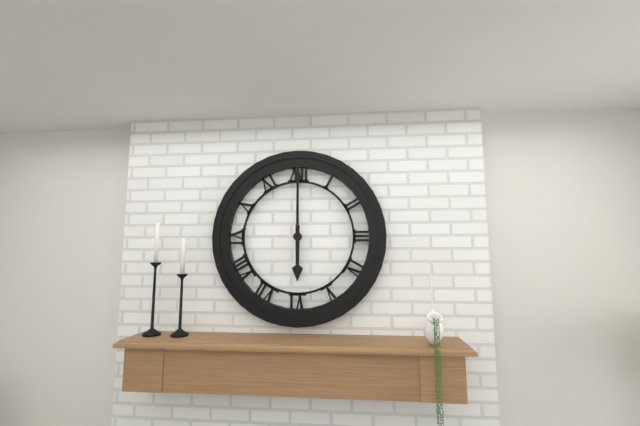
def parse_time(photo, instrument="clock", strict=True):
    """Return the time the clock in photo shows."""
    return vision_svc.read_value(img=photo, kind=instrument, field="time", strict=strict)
6:00
